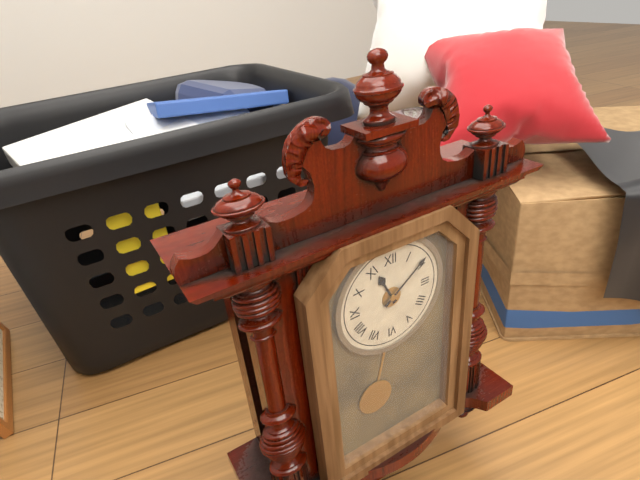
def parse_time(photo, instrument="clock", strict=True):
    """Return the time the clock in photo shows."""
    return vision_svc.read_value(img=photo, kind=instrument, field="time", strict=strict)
11:09
